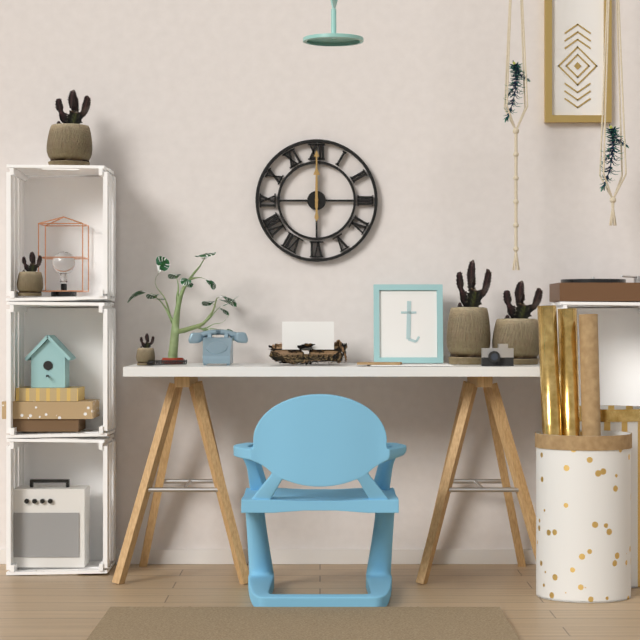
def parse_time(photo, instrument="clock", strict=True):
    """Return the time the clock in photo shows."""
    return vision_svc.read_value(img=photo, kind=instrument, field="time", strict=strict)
12:00
